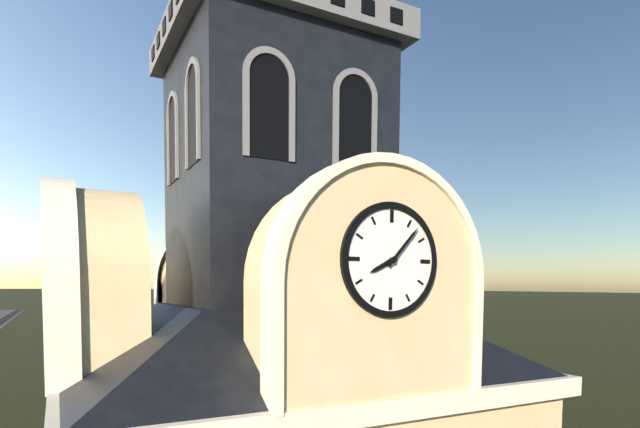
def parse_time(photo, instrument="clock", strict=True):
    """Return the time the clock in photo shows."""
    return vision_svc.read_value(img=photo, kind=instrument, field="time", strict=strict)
8:07
